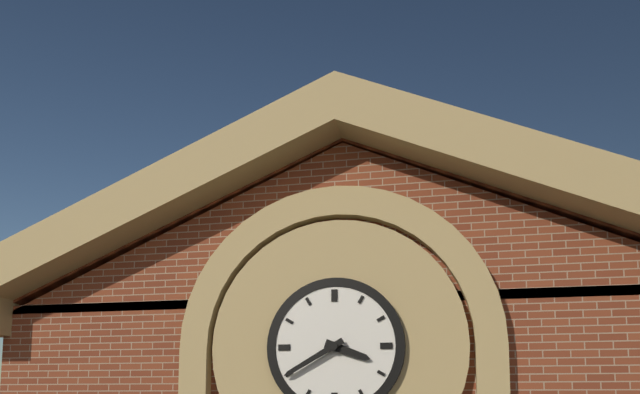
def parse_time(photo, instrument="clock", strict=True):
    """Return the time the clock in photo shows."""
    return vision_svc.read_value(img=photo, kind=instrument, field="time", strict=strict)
3:40
